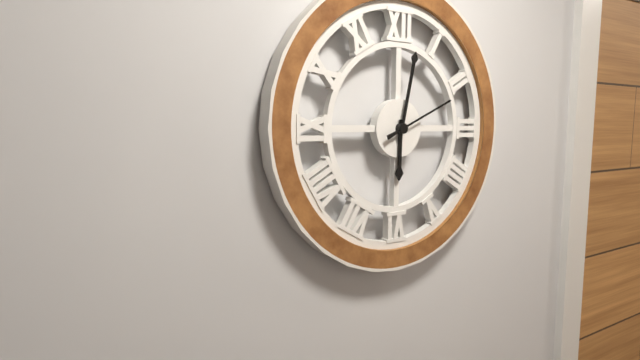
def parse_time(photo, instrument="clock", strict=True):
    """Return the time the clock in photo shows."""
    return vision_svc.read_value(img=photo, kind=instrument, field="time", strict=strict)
6:02:11
